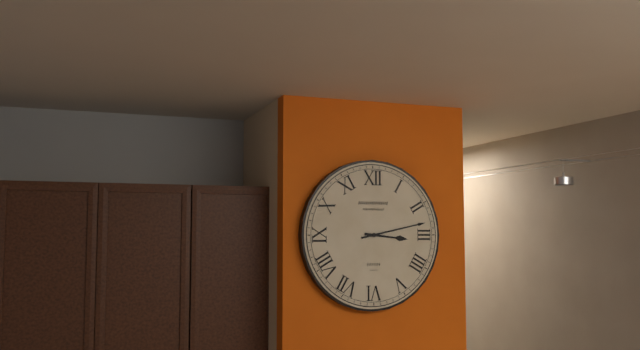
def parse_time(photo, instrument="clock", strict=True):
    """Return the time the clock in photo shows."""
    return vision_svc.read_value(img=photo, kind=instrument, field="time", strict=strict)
3:13
